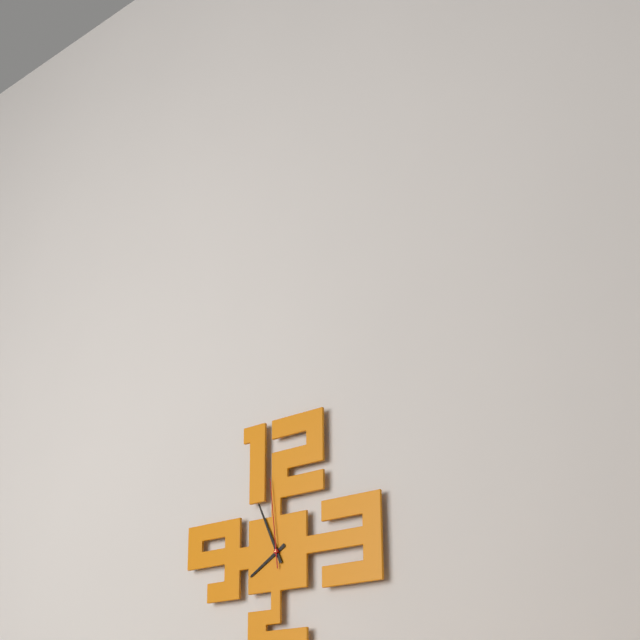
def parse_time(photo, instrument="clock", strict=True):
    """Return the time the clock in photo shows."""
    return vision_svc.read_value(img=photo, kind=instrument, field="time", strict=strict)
7:56:59
